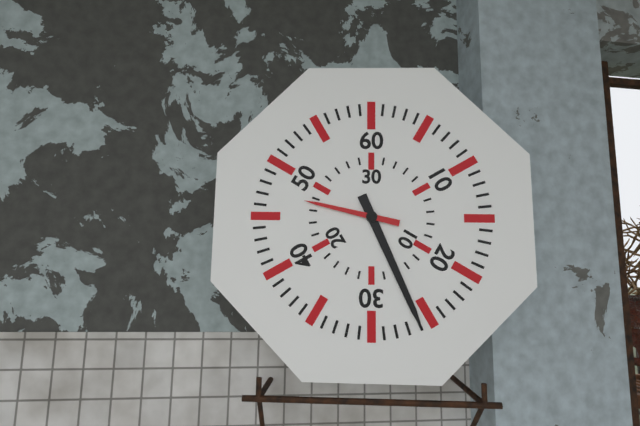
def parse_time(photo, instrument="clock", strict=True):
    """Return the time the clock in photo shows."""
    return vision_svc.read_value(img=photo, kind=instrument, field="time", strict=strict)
9:26
